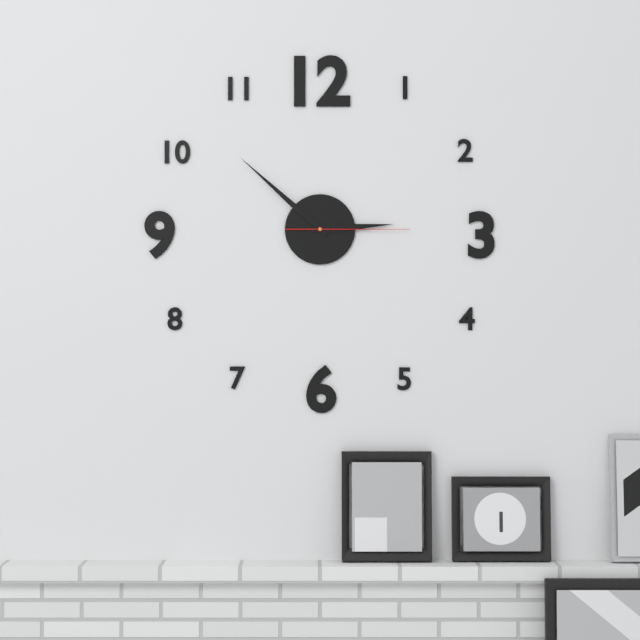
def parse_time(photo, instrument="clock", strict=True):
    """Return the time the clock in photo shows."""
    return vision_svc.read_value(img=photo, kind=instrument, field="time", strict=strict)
2:52:15
